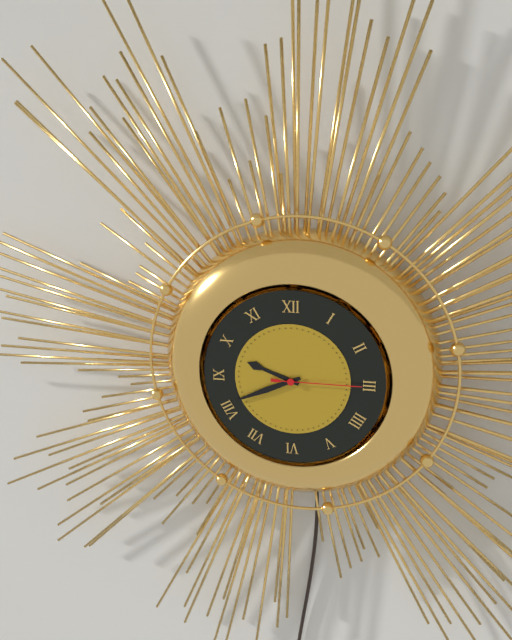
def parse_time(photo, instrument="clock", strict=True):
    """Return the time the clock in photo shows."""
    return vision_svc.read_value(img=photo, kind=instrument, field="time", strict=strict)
9:41:15
